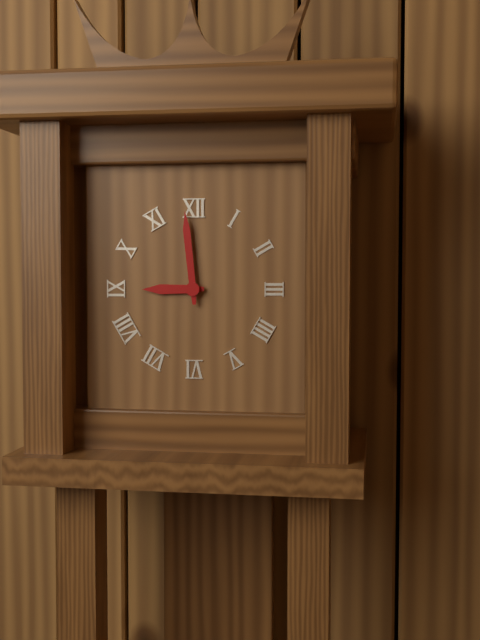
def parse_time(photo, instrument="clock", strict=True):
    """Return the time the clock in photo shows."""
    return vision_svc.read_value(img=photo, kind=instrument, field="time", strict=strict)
8:59
